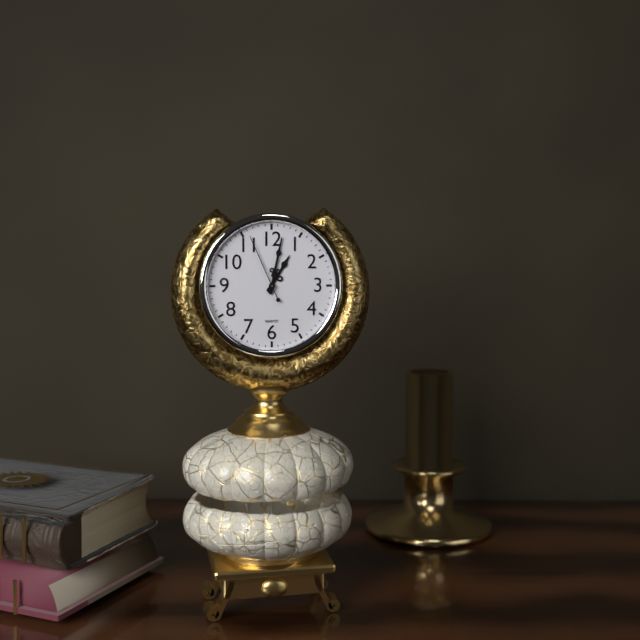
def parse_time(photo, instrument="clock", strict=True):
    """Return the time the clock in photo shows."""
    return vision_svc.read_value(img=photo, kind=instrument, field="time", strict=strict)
1:02:56
